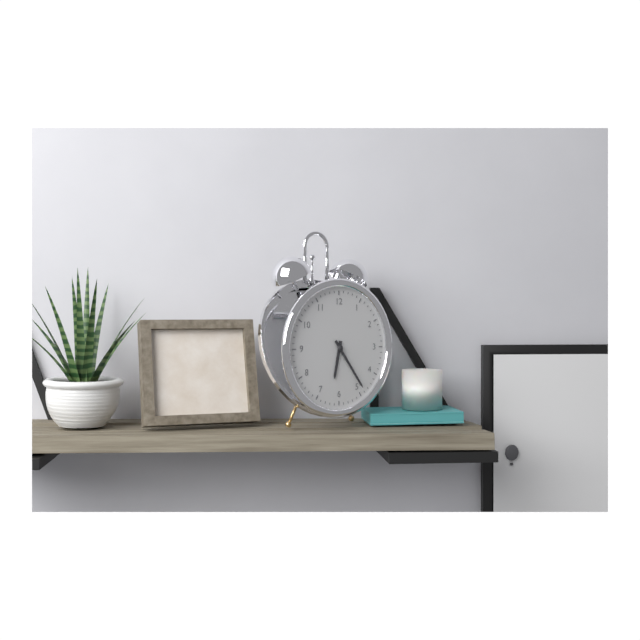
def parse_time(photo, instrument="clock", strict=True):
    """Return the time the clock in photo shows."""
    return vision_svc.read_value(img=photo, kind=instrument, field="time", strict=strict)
6:24
